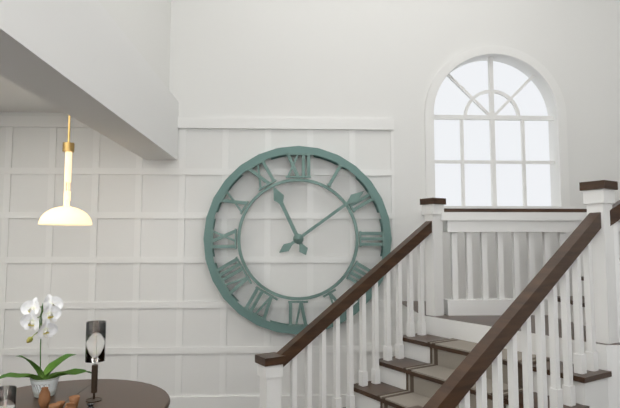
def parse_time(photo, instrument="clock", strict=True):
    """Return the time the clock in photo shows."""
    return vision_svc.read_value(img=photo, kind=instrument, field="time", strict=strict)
11:09
